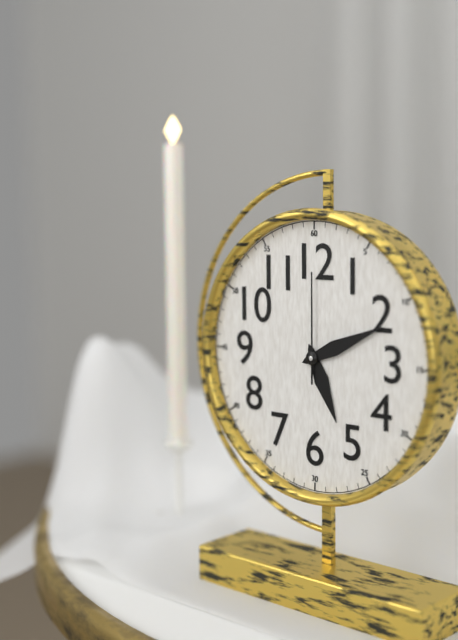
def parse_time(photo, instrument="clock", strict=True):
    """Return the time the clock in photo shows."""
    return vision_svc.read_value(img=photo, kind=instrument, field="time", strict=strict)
5:11:00
